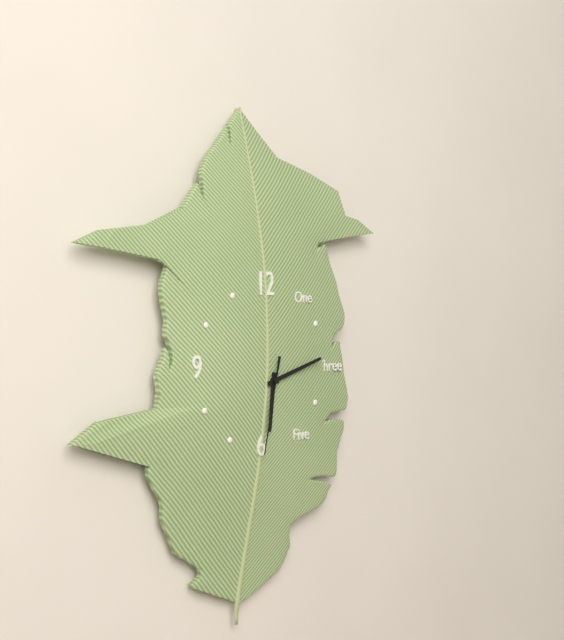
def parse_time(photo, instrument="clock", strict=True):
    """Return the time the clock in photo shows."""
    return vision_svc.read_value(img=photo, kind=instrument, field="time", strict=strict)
6:12:32
